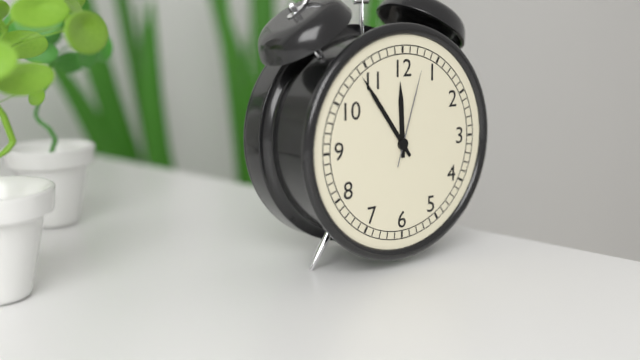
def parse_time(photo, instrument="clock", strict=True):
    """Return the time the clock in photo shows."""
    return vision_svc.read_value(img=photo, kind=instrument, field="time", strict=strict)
11:54:03
